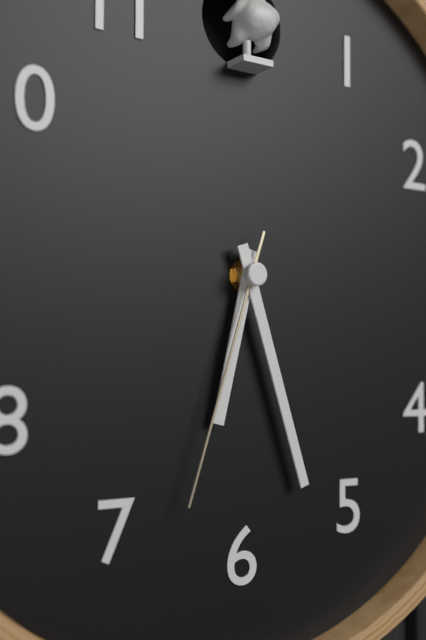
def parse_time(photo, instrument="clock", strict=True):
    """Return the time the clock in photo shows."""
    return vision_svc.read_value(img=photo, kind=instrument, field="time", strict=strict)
6:27:33
